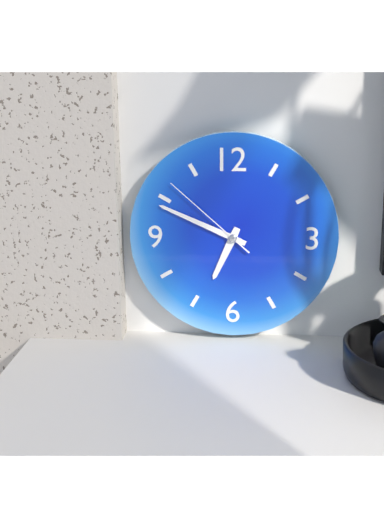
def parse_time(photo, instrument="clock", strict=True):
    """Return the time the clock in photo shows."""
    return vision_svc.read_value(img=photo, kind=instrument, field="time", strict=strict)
6:49:52
